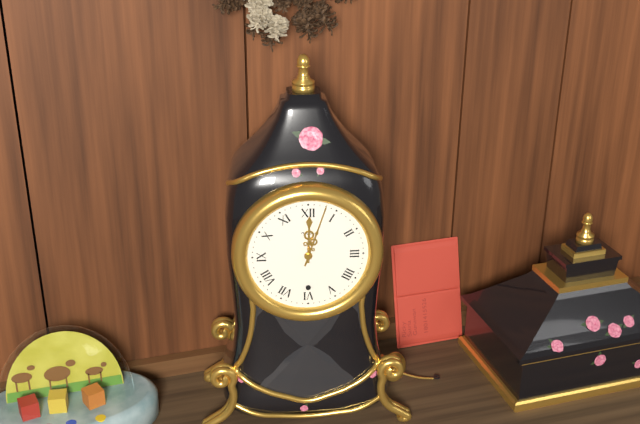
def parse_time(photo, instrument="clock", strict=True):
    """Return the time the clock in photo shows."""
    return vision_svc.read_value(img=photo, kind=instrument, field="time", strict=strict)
12:03
